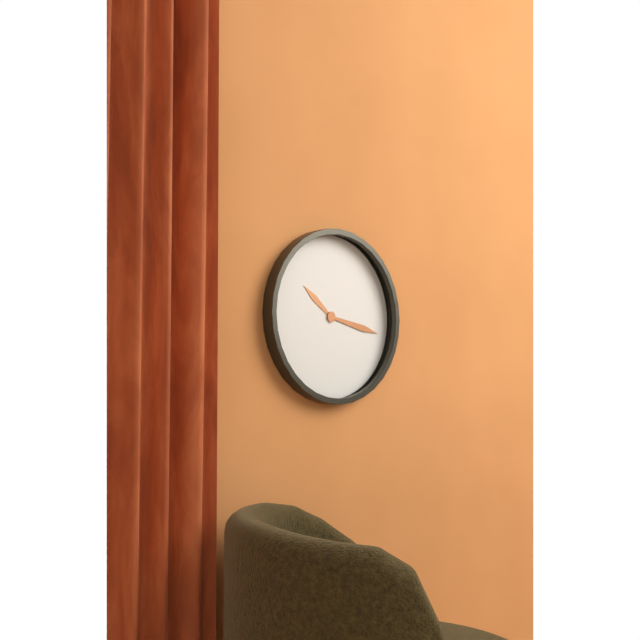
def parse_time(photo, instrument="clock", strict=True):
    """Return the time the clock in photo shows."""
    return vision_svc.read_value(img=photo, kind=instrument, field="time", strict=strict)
10:17
